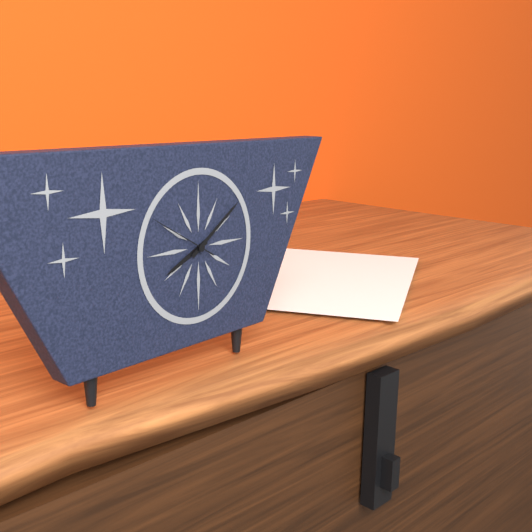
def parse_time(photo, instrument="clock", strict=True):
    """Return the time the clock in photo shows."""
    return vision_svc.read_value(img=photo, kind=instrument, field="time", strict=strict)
8:09:50
